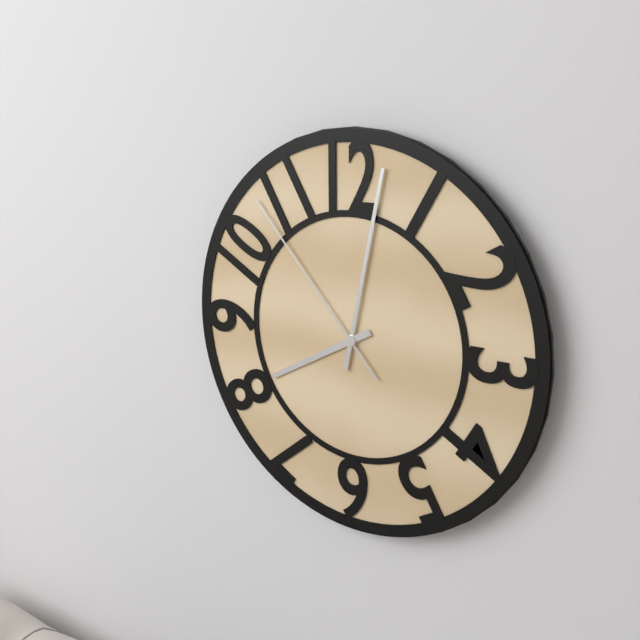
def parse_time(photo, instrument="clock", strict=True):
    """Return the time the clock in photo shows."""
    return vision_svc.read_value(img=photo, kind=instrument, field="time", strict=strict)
8:02:53
